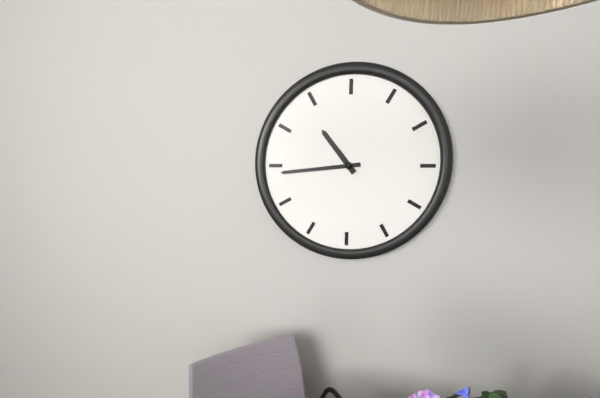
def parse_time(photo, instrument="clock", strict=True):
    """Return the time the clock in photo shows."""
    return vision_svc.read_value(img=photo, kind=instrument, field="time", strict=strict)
10:44
